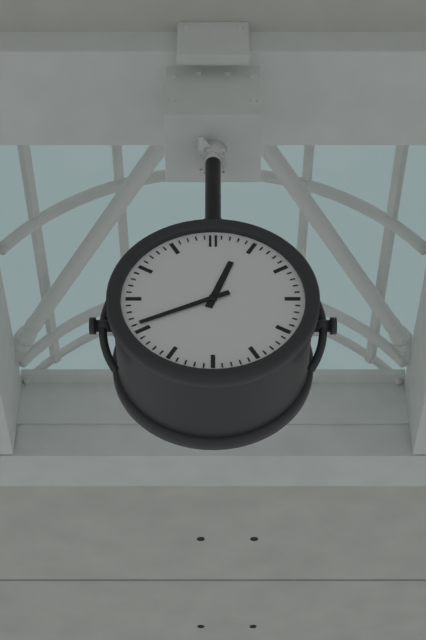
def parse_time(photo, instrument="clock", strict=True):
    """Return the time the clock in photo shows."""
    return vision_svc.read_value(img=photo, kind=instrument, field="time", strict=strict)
12:41
